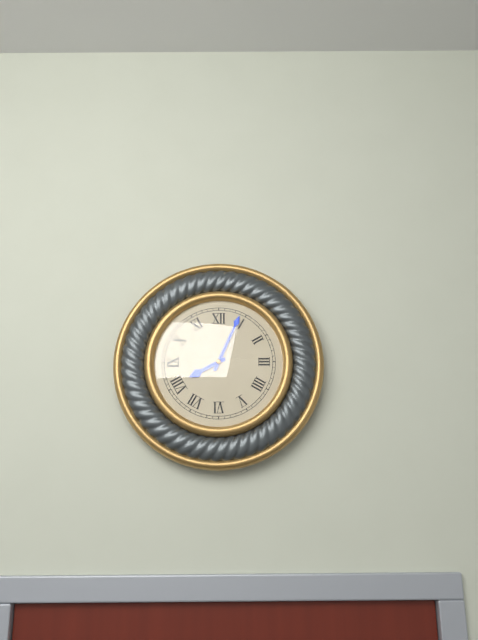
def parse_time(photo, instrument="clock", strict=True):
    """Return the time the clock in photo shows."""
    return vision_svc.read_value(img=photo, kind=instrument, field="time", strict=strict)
8:04
